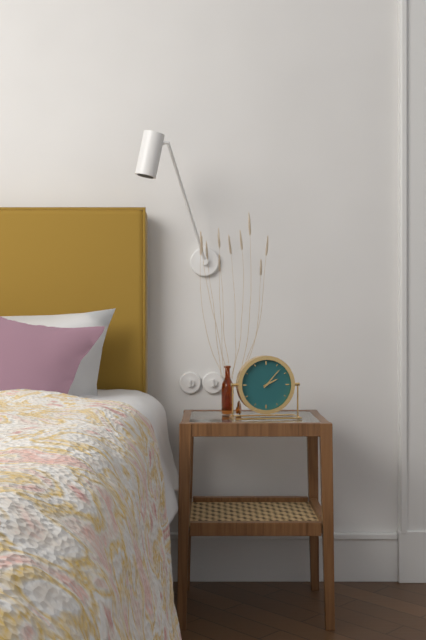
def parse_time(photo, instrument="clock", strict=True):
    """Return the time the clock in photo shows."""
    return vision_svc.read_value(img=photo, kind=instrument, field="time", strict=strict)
2:07
